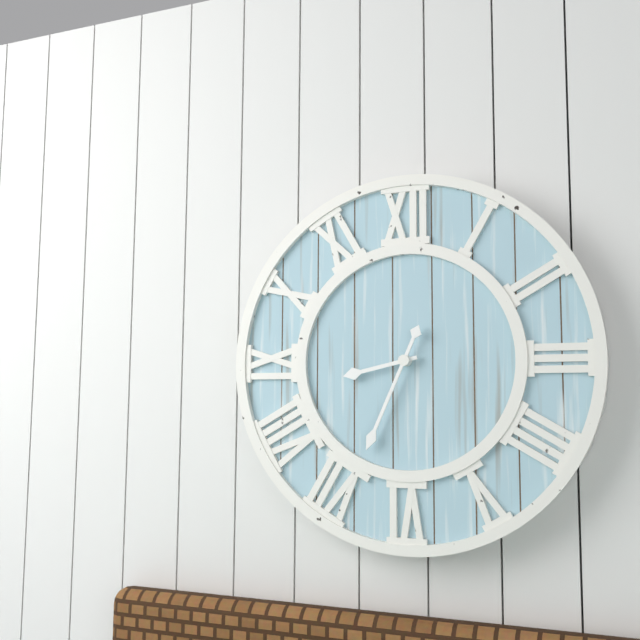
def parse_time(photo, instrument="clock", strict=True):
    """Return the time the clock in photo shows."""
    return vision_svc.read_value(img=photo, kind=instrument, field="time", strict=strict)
8:34
